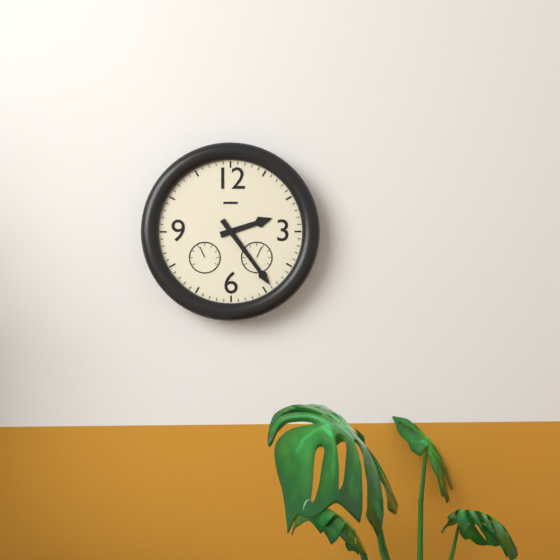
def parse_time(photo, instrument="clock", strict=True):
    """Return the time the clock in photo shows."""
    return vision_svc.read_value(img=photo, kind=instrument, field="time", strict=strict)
2:24
